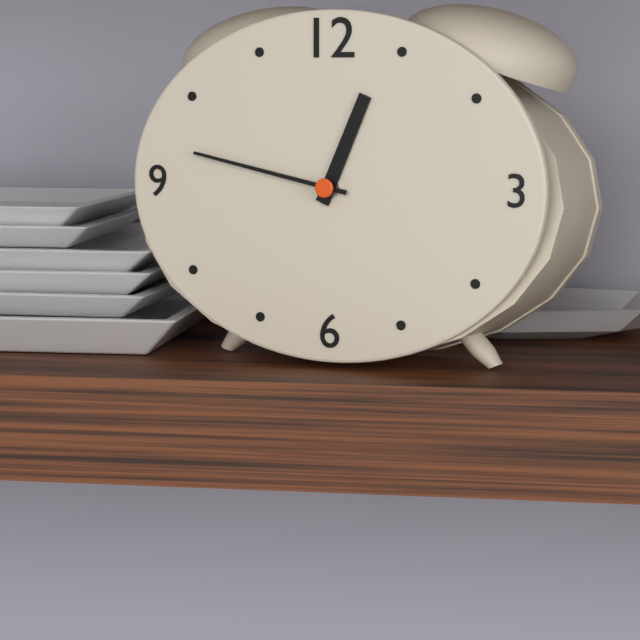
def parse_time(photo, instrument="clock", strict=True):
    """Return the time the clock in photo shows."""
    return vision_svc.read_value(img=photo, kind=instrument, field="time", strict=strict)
12:47
